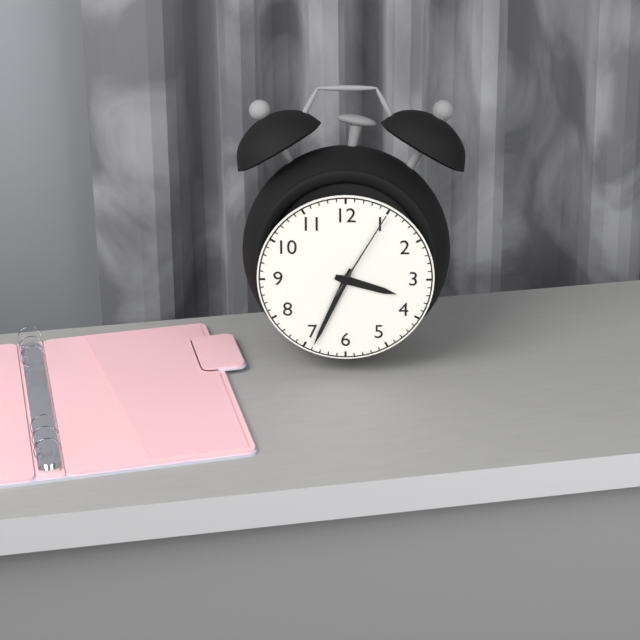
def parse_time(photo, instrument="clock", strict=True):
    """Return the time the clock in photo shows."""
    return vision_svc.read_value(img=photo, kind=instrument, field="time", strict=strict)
3:34:05
